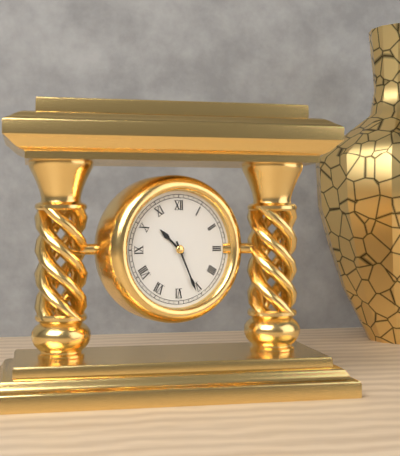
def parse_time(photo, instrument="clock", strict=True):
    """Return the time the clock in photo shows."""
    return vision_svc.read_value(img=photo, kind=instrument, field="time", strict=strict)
10:26
